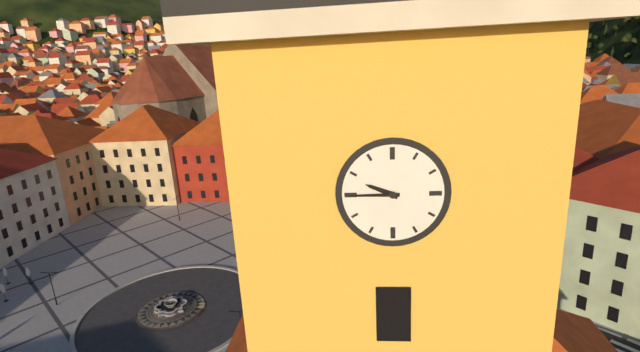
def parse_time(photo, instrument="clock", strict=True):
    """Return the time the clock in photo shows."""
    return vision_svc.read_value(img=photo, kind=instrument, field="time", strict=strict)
9:45
